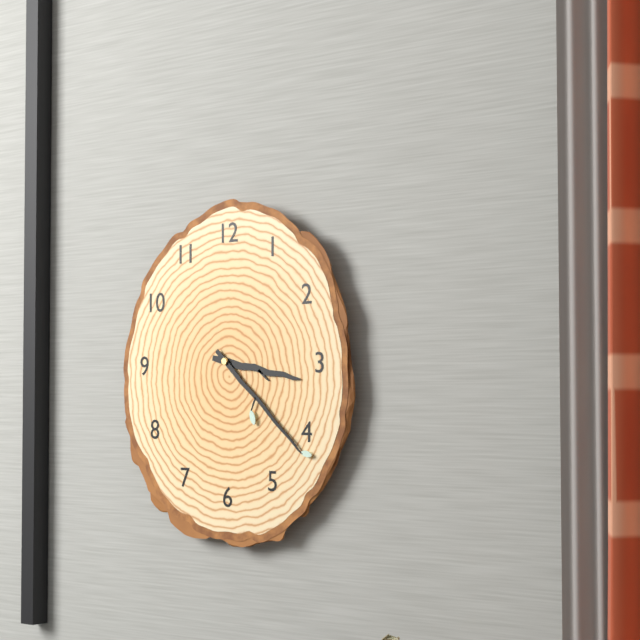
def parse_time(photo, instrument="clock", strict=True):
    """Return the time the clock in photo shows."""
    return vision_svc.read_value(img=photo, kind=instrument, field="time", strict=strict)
3:22
